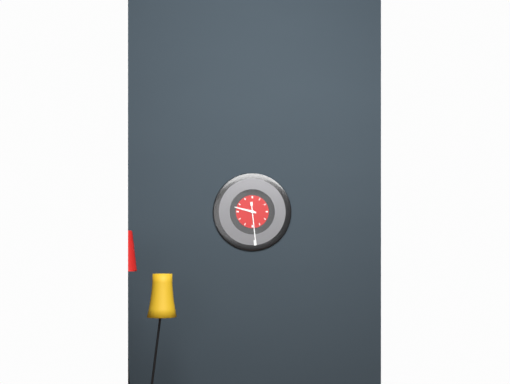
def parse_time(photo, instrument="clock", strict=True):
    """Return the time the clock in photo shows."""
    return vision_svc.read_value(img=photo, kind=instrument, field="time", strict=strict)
9:29
